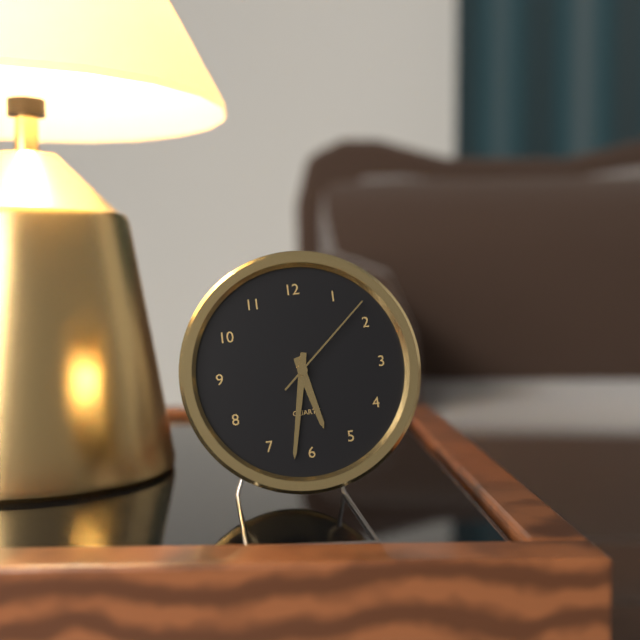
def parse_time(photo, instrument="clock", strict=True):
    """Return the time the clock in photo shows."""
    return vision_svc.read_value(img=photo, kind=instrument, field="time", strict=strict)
5:32:08
